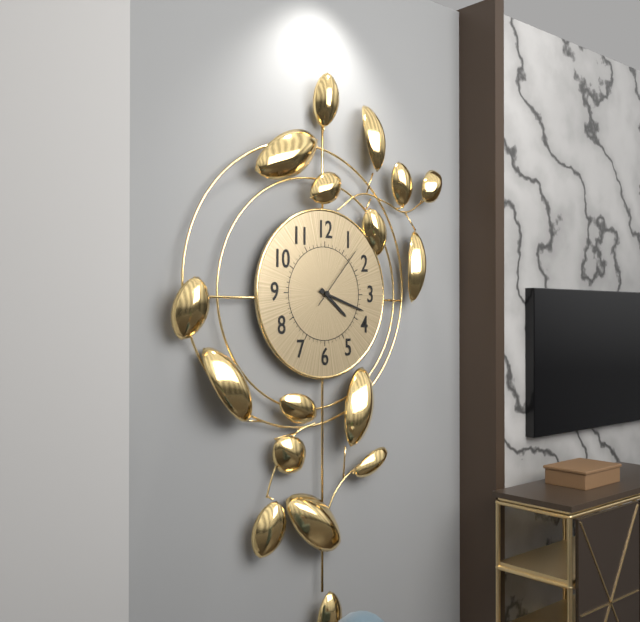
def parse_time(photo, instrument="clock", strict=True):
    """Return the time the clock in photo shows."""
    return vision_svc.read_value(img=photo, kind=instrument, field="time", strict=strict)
4:18:07
